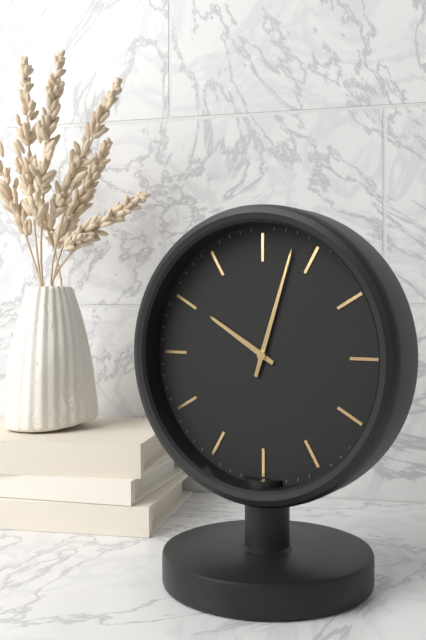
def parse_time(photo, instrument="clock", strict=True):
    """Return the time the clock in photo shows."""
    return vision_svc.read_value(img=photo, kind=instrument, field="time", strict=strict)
10:03
